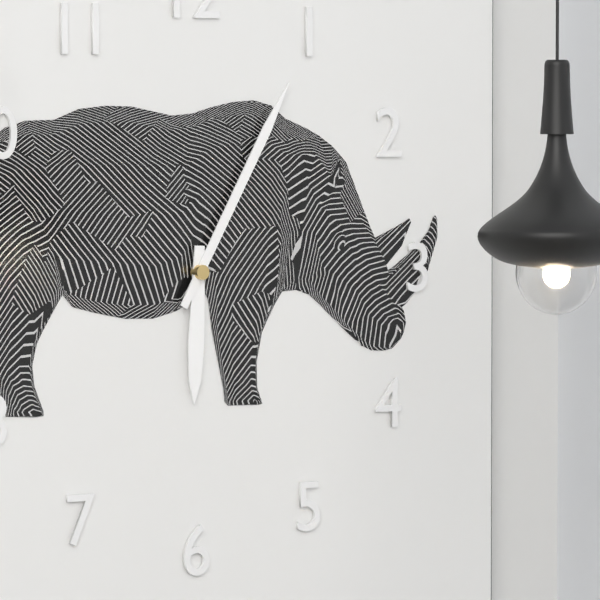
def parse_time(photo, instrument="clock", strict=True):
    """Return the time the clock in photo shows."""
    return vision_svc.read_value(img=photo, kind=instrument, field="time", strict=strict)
6:05
